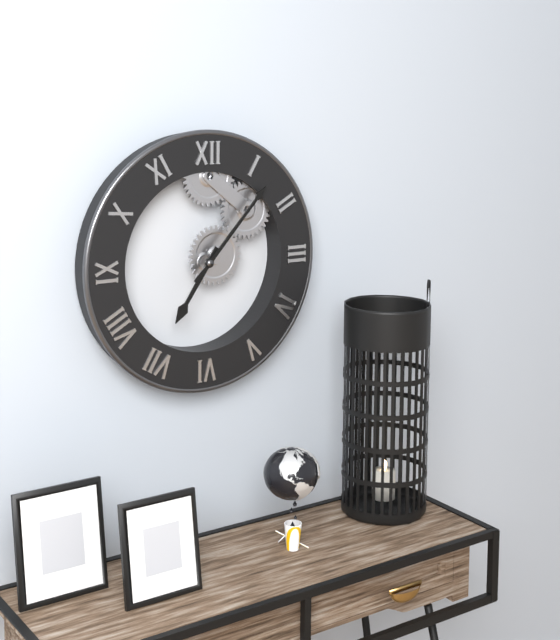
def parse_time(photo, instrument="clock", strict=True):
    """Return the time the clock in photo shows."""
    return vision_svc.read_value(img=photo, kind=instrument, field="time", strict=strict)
7:07
